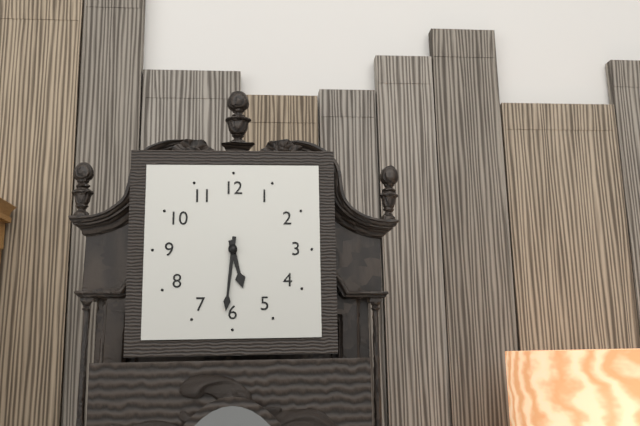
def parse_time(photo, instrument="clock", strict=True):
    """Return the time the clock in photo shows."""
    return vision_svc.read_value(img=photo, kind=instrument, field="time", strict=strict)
5:31
